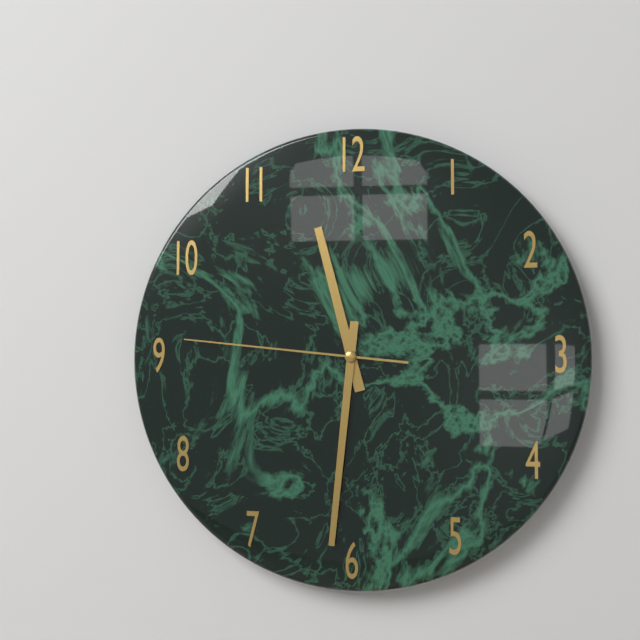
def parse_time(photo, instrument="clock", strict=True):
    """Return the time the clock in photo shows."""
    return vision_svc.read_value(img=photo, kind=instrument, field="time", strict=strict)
11:31:46
